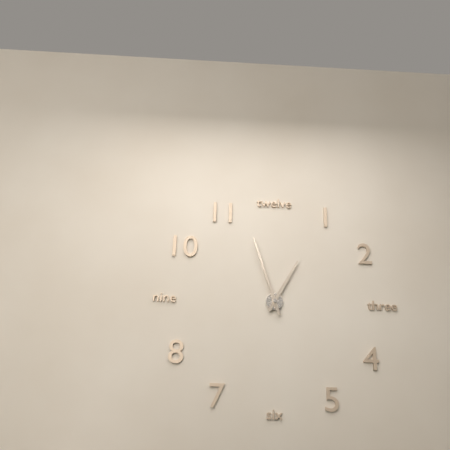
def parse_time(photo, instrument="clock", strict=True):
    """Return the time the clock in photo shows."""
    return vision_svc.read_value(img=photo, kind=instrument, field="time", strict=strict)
12:57
